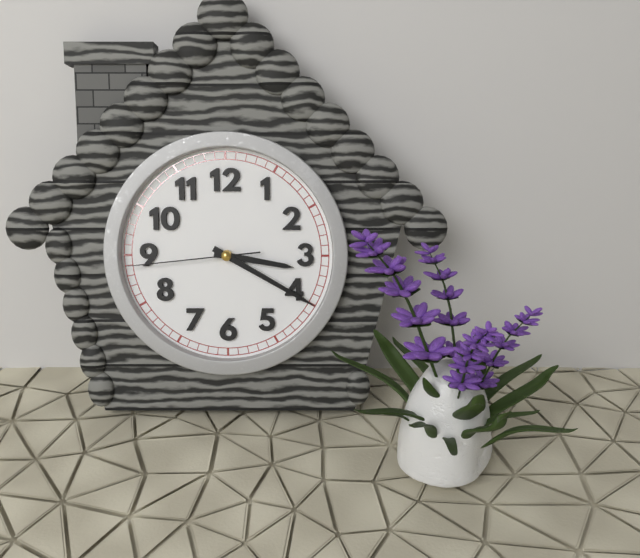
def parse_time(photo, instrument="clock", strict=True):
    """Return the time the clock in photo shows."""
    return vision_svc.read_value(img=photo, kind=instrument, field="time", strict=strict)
3:20:44
